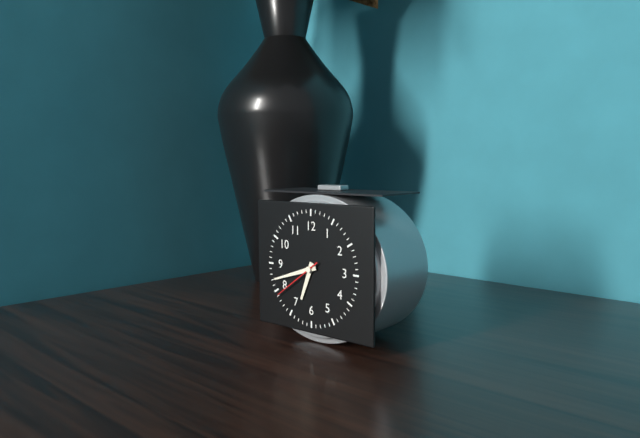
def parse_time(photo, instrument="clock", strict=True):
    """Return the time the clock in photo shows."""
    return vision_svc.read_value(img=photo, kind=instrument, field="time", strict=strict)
6:42:39
